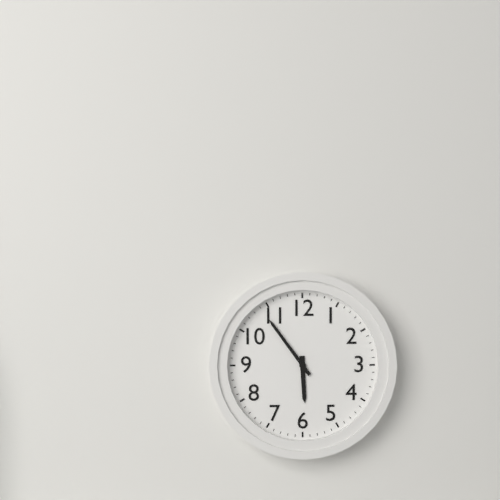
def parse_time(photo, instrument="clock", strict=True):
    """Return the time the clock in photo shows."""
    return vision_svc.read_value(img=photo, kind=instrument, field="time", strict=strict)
5:54
